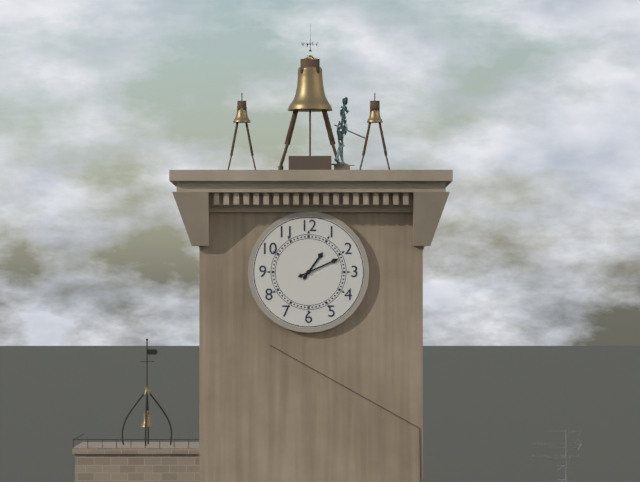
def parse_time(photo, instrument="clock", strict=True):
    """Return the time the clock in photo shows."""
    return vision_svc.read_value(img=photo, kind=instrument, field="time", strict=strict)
1:11
